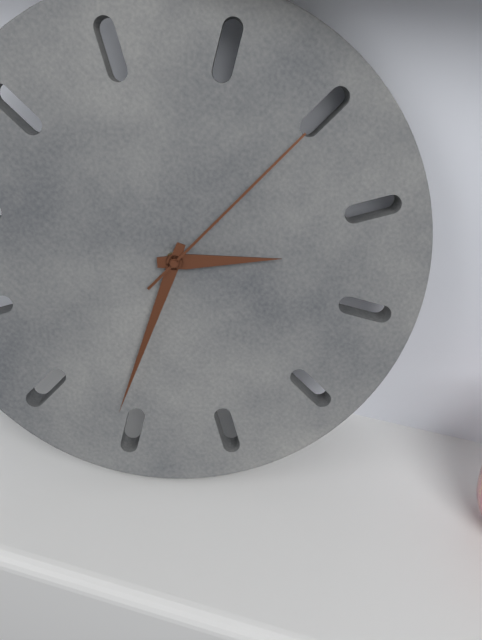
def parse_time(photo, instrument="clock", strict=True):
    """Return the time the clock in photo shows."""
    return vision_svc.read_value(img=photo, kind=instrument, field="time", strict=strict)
1:26:00
